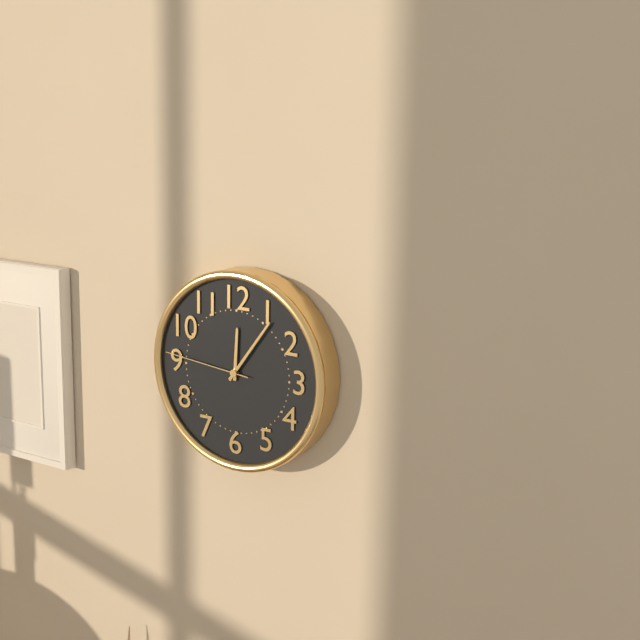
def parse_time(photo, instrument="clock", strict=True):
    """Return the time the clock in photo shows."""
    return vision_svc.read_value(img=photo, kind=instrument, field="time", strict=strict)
12:06:46
